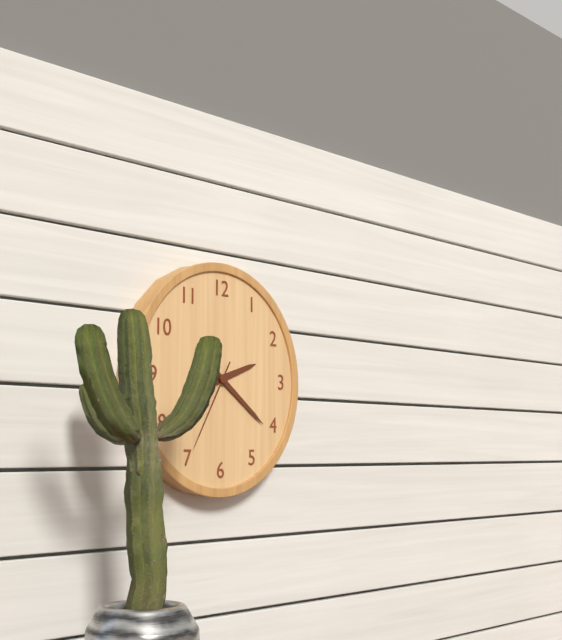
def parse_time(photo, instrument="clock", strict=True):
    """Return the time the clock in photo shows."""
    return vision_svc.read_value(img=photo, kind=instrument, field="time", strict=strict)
2:21:35
